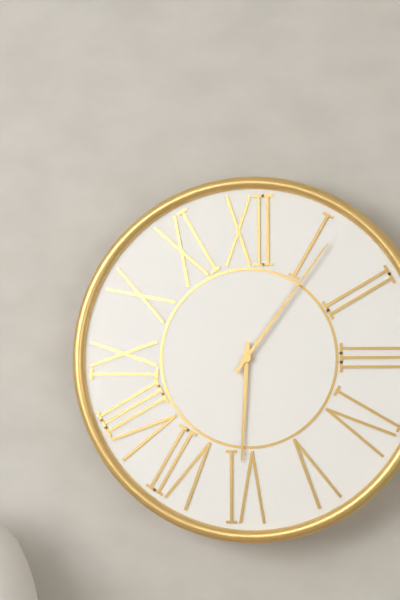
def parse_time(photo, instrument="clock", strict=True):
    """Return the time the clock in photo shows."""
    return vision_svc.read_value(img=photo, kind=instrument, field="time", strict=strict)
6:06
